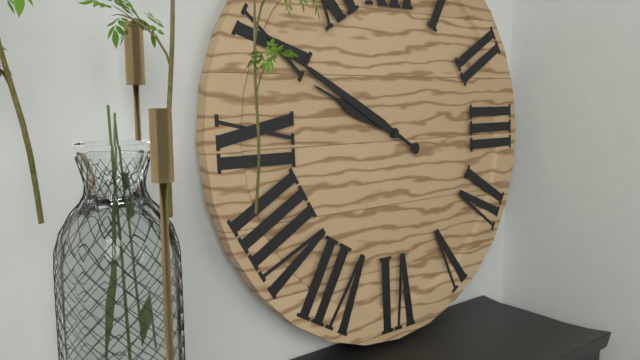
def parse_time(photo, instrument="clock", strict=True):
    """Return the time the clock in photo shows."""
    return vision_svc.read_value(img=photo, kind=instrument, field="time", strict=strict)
9:50
